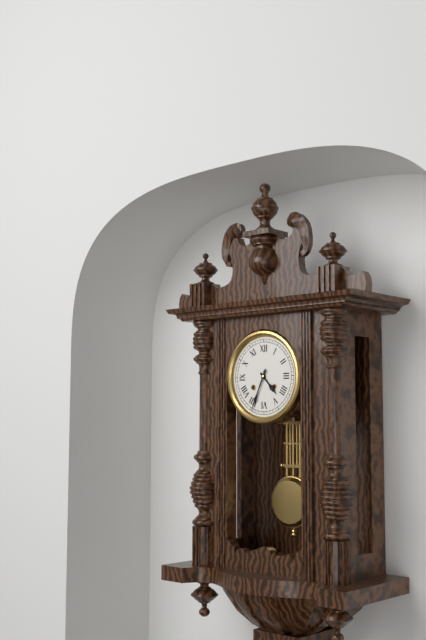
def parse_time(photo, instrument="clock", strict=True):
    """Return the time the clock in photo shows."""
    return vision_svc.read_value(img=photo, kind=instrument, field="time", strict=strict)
4:34
